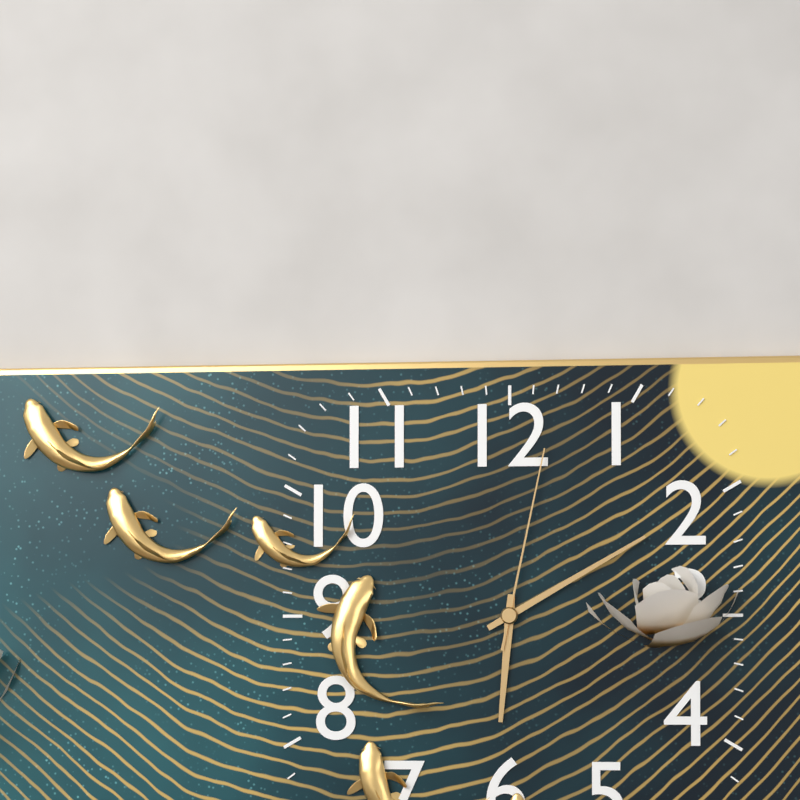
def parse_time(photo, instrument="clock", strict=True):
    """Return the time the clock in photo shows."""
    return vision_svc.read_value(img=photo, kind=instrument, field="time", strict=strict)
6:10:02
